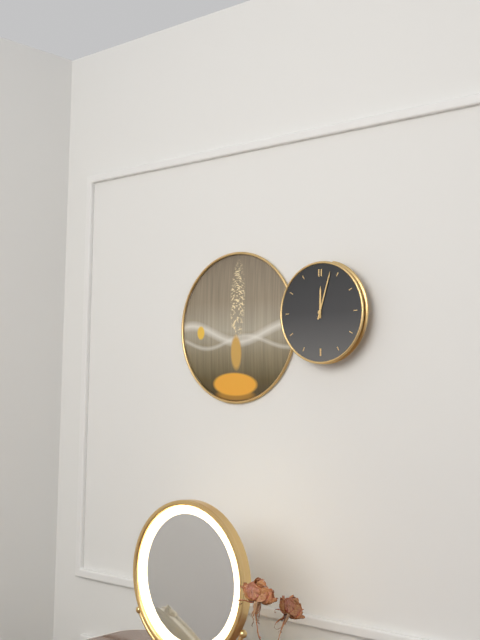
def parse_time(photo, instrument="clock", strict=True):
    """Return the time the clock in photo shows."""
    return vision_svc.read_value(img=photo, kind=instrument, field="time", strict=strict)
12:03
